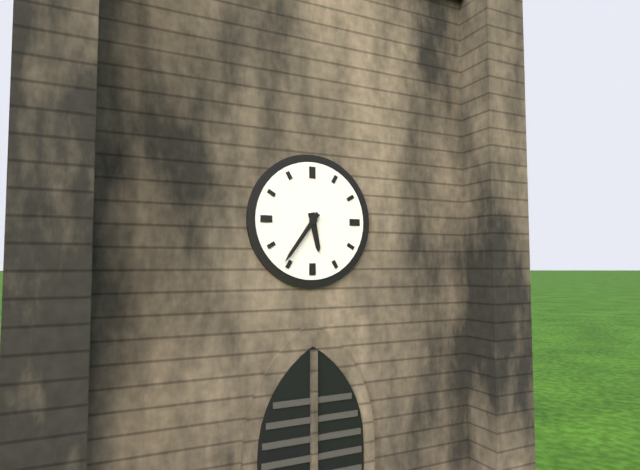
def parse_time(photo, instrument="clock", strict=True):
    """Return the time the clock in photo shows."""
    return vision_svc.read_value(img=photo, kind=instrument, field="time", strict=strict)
5:36
